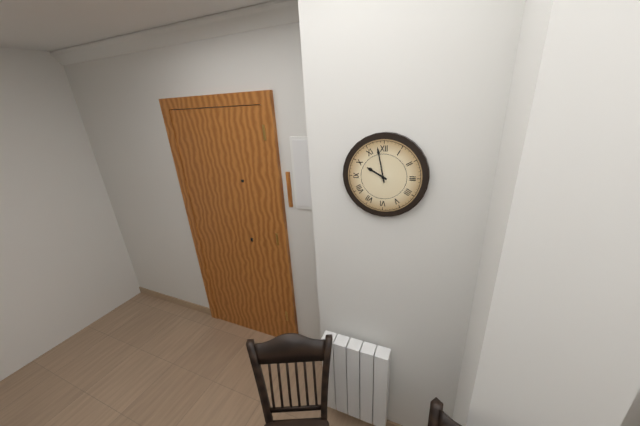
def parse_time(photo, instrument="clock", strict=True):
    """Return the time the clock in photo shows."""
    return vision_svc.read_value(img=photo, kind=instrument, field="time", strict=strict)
9:58
